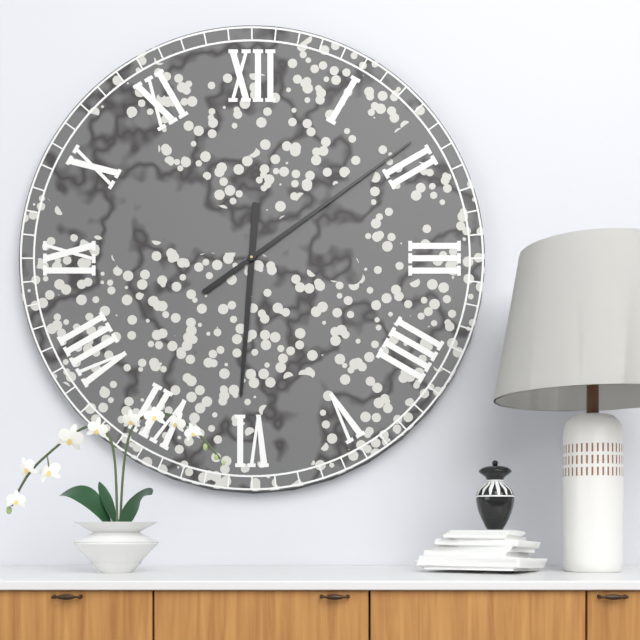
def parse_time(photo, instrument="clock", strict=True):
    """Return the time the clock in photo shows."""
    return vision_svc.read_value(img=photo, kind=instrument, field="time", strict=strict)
6:09
